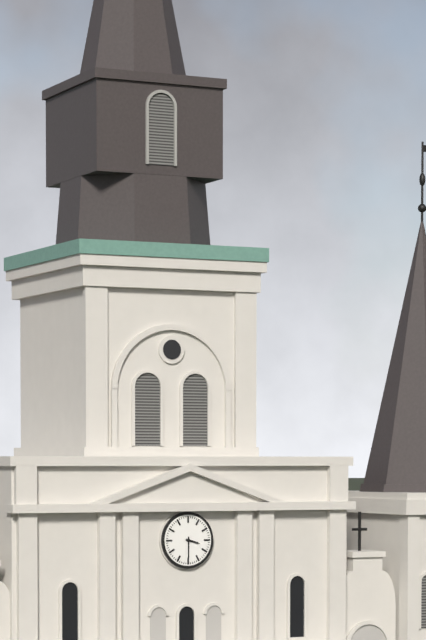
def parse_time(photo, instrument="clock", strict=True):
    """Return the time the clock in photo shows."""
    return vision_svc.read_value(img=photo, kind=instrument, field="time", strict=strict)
3:30
